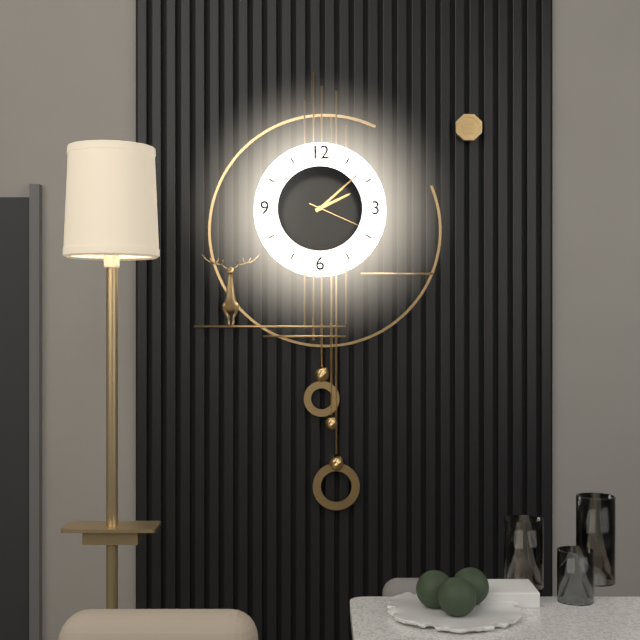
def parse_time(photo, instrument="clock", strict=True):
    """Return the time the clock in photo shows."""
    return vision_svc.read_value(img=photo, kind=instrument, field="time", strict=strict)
2:08:19
